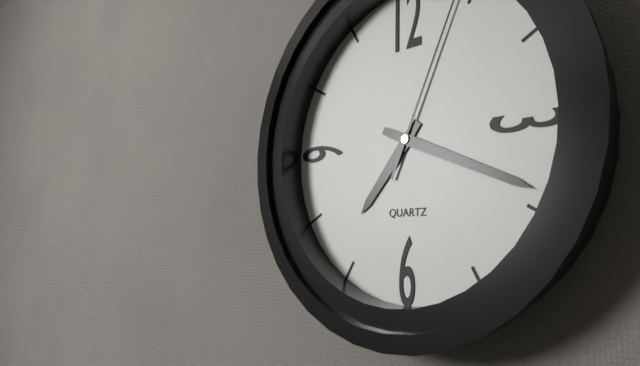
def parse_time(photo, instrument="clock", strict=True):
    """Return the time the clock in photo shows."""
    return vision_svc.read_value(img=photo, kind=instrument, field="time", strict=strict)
7:19
